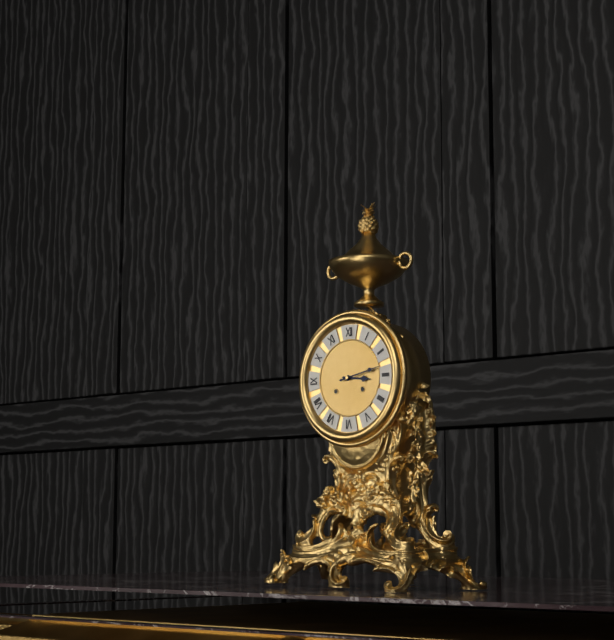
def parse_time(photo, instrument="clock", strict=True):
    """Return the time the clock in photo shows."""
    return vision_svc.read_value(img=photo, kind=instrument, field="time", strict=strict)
3:13
